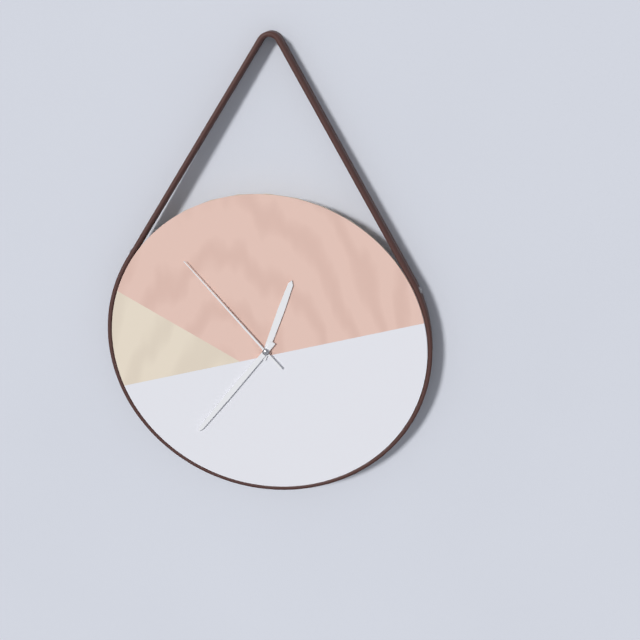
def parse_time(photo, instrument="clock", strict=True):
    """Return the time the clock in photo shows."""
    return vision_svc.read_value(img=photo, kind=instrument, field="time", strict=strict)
12:36:53
